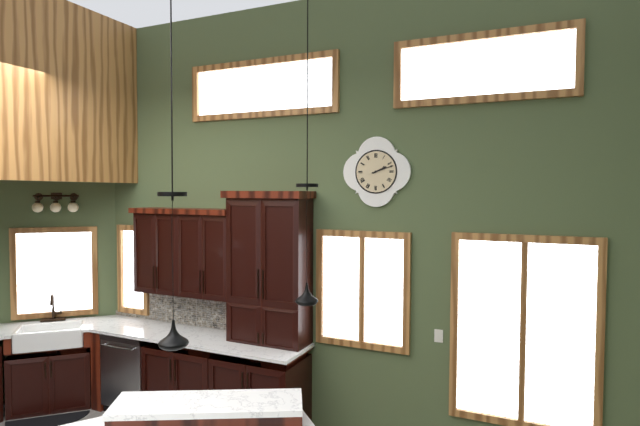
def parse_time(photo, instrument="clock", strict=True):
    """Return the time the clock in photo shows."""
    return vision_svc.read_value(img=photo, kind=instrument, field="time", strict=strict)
2:12
